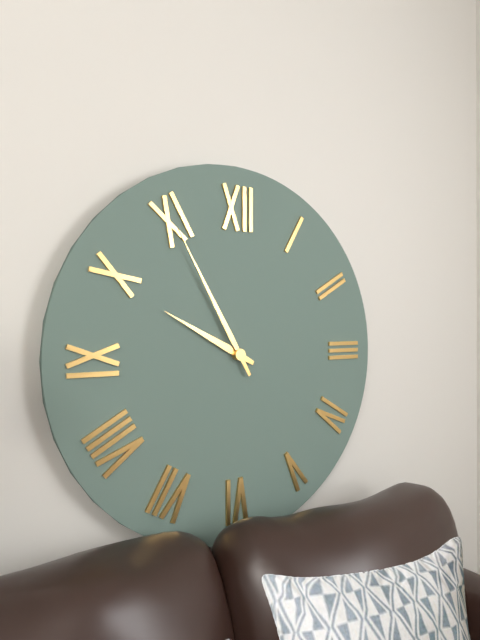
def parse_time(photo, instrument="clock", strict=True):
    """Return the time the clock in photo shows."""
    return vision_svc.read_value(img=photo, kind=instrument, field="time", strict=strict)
9:55
